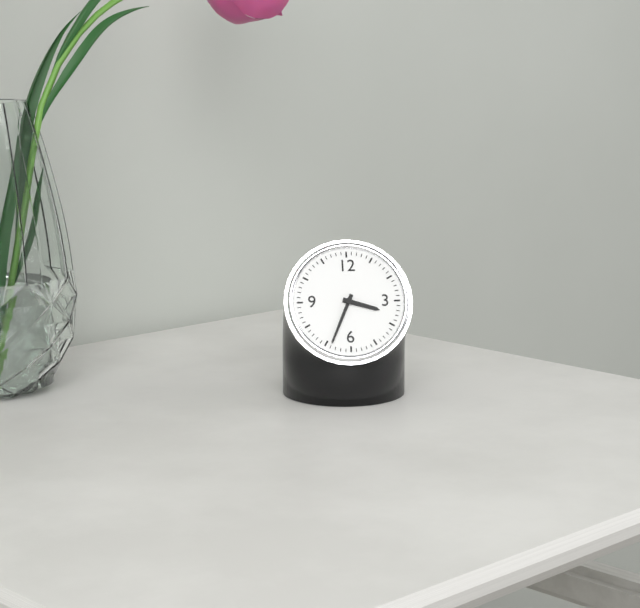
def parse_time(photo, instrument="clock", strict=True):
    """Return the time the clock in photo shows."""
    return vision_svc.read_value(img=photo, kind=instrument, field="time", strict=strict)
3:34
